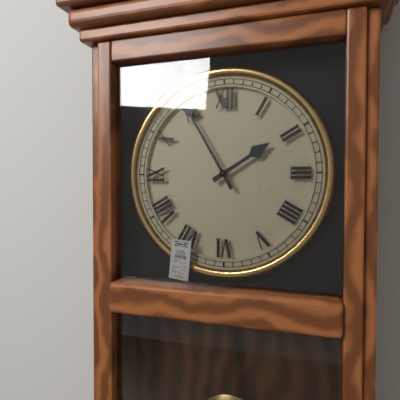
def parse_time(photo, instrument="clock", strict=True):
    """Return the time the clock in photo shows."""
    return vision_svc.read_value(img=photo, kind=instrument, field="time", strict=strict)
1:55
